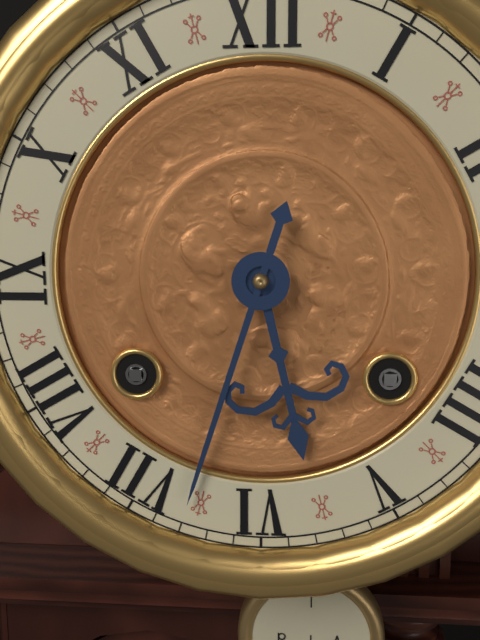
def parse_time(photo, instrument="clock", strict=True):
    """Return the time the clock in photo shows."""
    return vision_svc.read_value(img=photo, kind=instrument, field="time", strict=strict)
5:33
